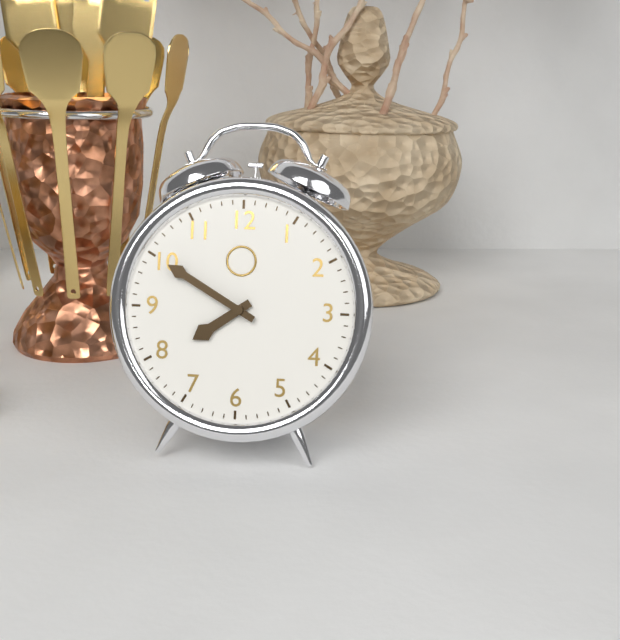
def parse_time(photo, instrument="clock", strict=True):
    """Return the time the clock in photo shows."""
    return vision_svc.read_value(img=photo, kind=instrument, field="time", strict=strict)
7:50
